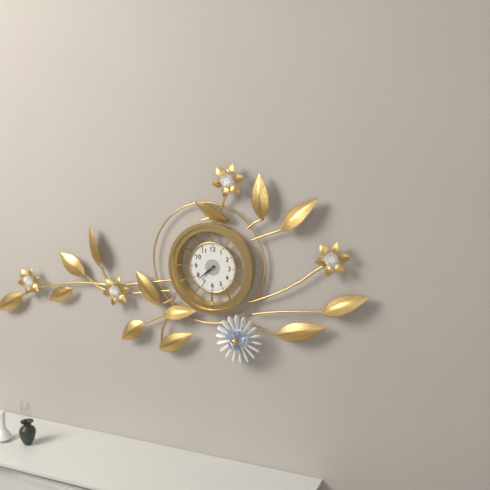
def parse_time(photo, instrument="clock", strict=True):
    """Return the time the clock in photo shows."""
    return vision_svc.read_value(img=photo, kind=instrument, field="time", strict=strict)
7:38
